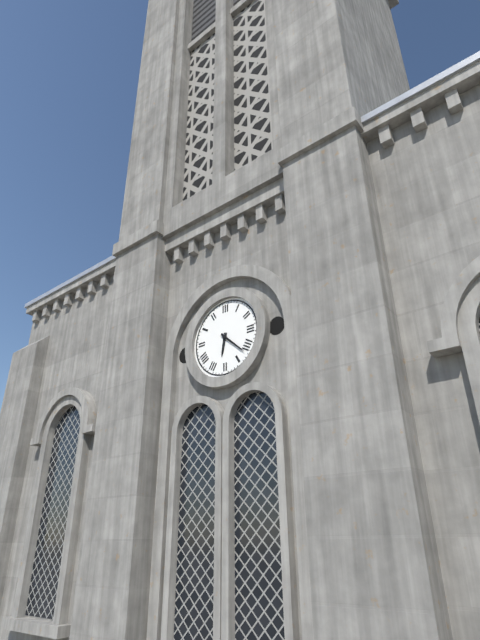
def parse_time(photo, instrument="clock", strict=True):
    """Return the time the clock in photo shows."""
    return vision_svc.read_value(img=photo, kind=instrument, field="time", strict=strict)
6:22
